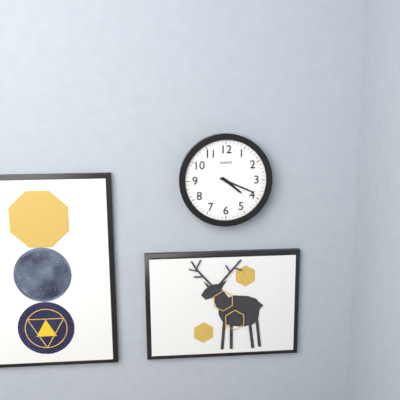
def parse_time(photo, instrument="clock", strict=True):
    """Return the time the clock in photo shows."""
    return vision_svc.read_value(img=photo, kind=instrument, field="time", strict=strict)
4:19
